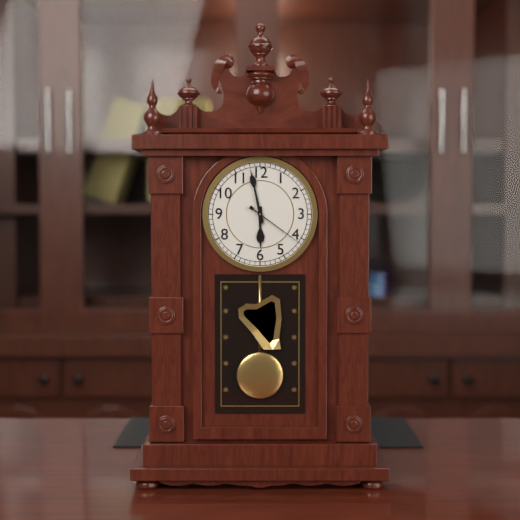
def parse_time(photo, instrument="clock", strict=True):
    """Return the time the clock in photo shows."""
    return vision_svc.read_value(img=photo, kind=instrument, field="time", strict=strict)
5:58:21
